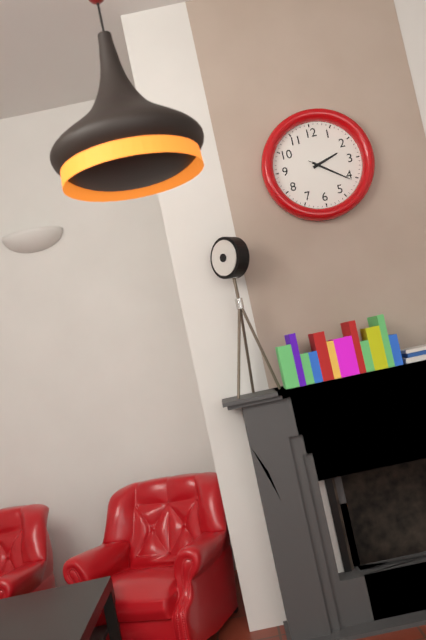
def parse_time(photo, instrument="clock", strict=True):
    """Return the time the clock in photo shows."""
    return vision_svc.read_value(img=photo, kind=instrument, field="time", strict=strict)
2:21
